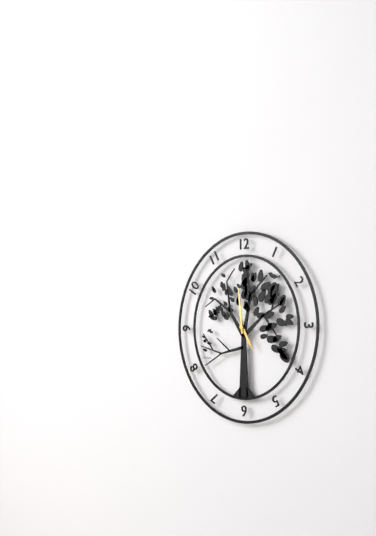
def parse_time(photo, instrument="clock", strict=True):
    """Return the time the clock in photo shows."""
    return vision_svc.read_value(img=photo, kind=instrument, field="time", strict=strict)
4:59
